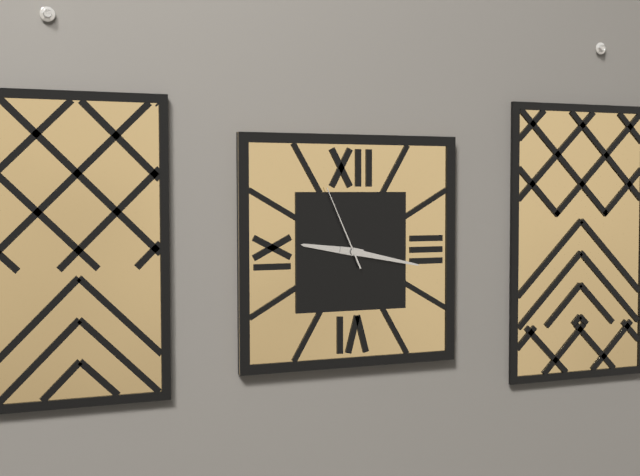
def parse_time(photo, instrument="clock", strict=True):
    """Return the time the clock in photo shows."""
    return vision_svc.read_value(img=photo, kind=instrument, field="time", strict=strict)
9:17:56
